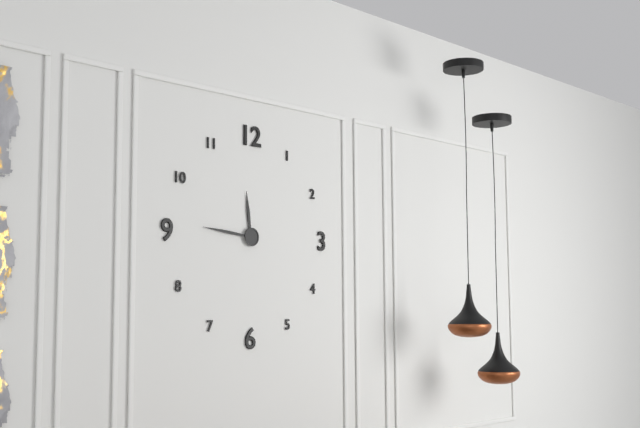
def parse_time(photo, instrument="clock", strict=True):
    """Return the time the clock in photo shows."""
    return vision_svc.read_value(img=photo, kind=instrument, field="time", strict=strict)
11:46
